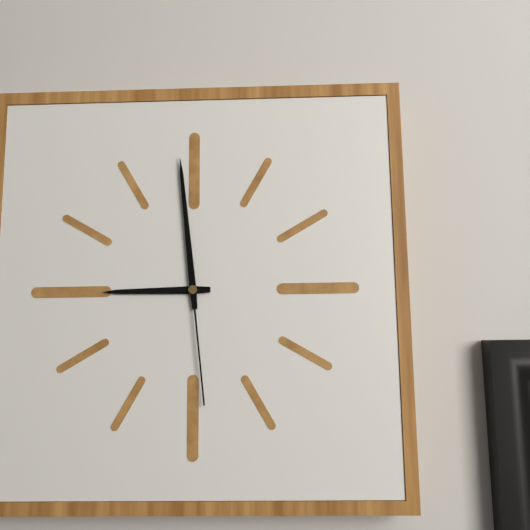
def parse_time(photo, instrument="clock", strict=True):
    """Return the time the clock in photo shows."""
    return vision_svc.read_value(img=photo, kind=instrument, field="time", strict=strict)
8:59:29
